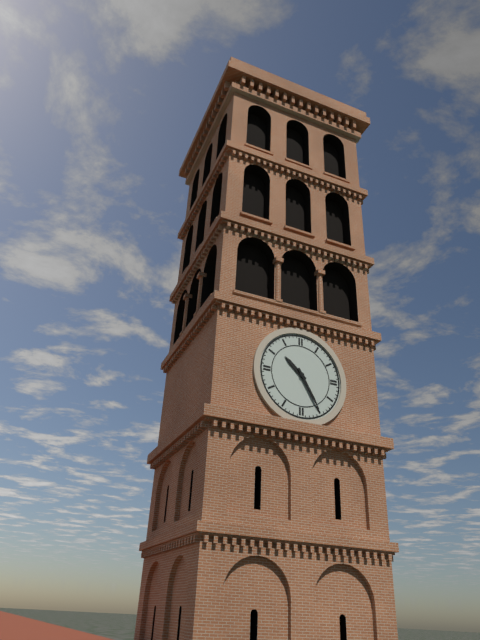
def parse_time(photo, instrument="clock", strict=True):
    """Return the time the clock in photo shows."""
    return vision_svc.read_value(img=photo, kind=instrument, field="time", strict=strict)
10:25
